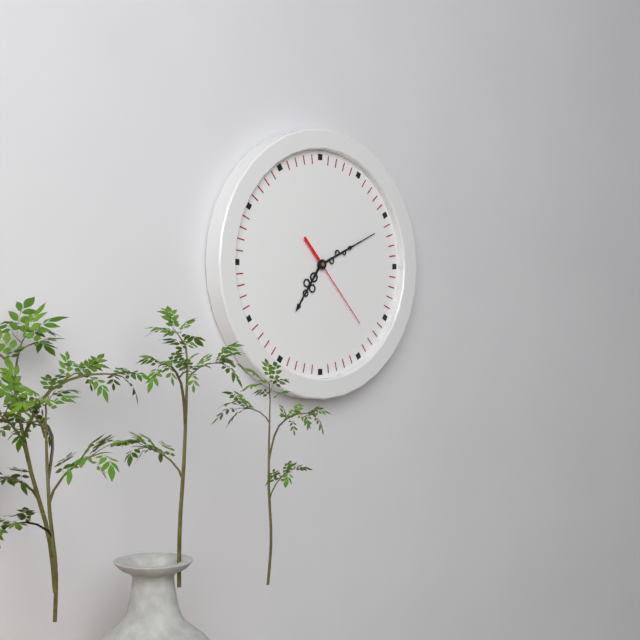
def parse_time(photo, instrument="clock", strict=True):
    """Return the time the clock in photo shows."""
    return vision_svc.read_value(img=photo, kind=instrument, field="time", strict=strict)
7:11:23
